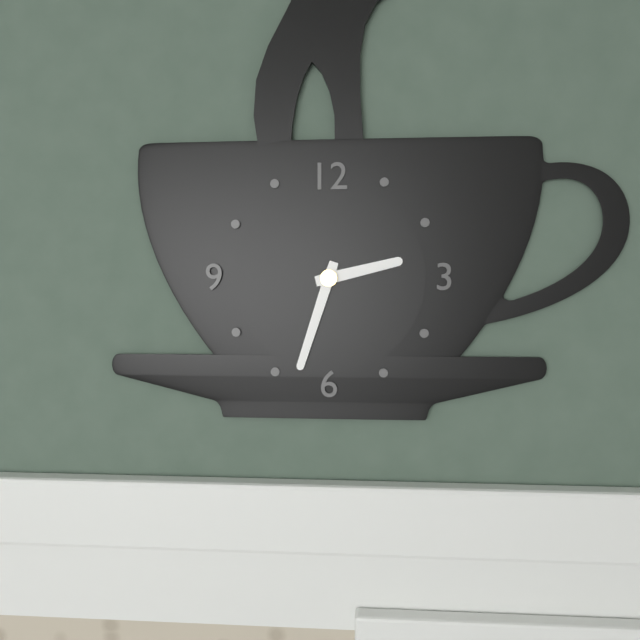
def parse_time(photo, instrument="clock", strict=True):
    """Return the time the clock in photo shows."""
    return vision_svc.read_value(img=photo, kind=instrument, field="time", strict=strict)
2:33
